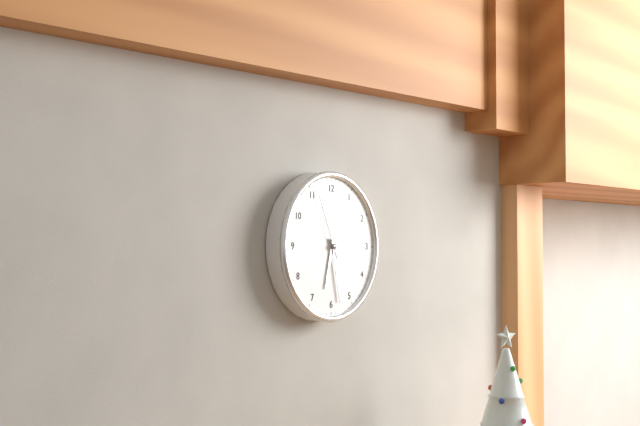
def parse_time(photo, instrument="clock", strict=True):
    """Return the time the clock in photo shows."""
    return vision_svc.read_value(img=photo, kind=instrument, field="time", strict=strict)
6:28:56
